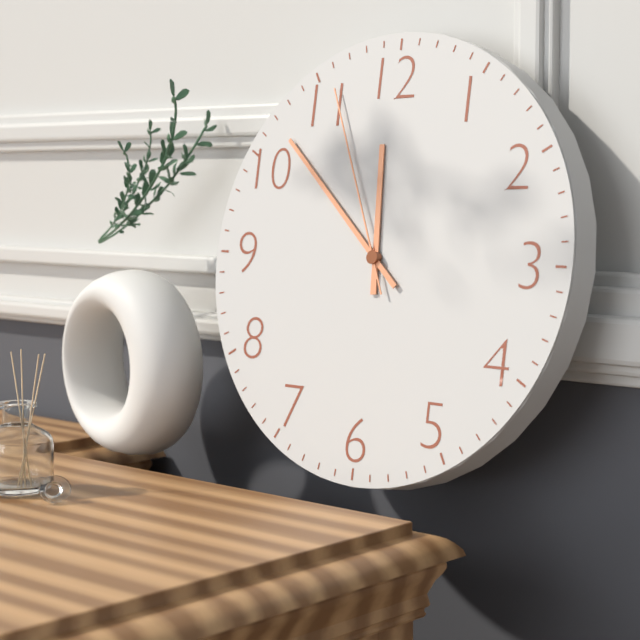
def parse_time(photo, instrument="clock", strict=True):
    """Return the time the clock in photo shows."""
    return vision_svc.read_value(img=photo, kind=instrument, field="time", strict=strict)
11:52:56
